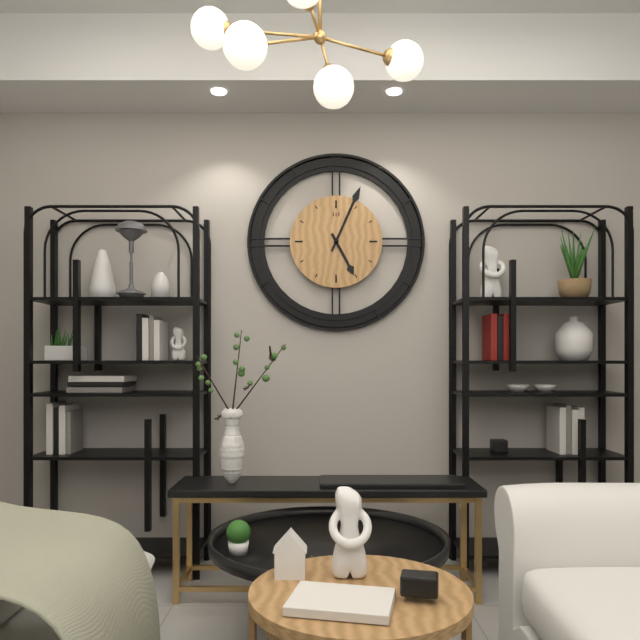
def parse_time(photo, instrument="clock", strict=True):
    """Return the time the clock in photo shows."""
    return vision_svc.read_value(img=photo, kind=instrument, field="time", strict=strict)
5:04
